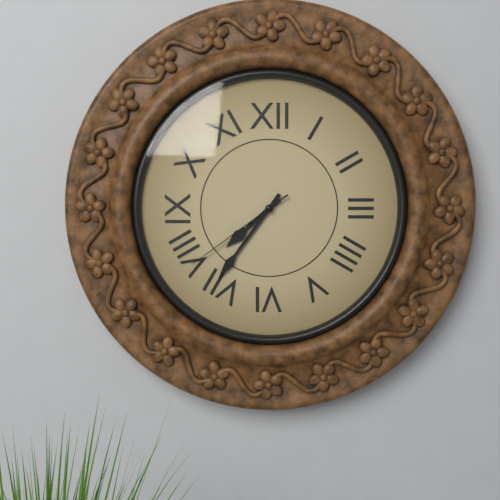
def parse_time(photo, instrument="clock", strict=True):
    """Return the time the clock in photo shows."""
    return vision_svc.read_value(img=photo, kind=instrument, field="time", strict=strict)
7:36:39
